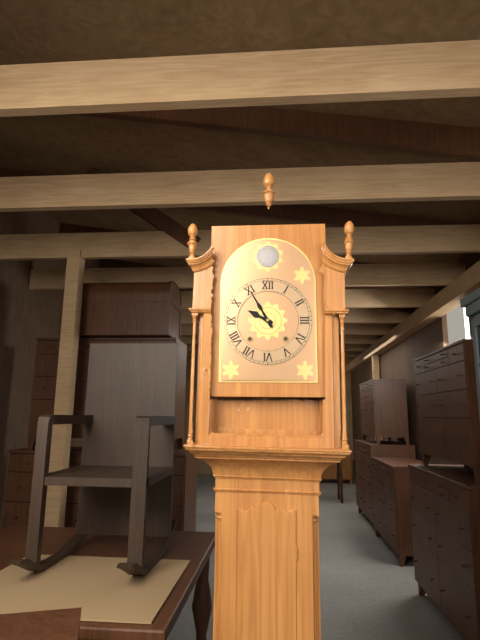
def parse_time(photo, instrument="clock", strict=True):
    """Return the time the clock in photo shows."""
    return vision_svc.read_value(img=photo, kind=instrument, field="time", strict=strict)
9:55
